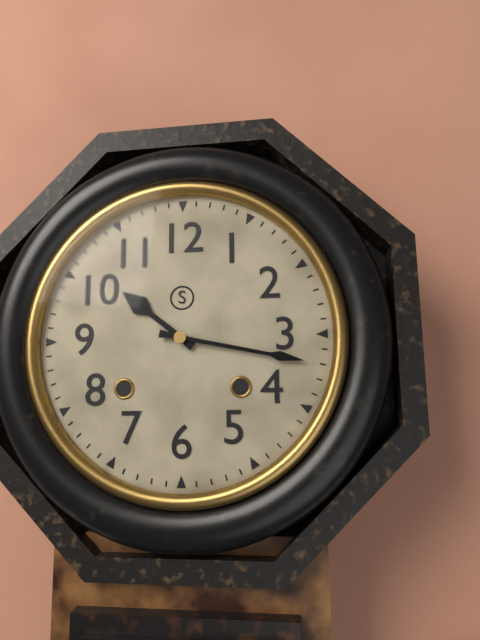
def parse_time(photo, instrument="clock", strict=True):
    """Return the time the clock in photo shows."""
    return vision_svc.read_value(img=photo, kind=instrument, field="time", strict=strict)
10:17
